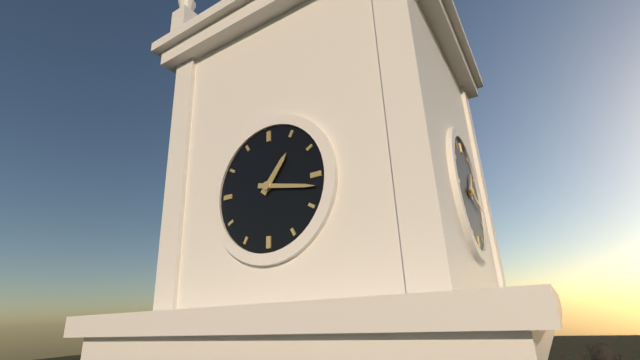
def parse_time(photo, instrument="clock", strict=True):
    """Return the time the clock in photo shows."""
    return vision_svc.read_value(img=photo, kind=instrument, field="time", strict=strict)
1:17
